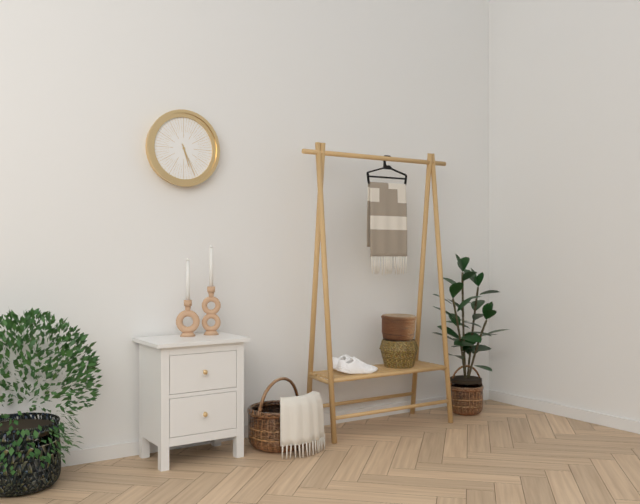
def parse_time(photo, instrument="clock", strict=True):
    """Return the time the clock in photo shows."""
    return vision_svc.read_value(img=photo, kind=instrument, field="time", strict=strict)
5:26
